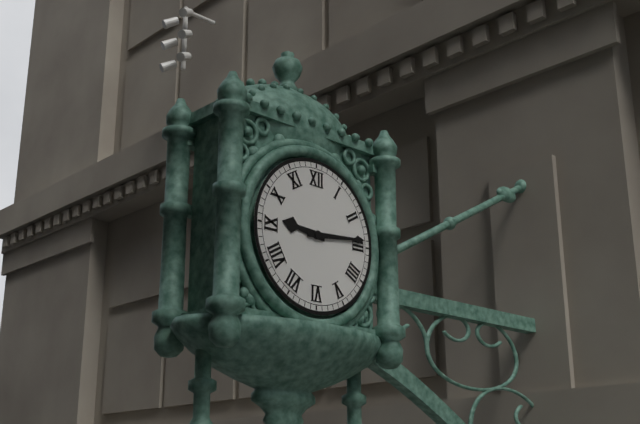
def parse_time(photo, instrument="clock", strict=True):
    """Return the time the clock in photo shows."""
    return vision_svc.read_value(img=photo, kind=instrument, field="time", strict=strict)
9:14
